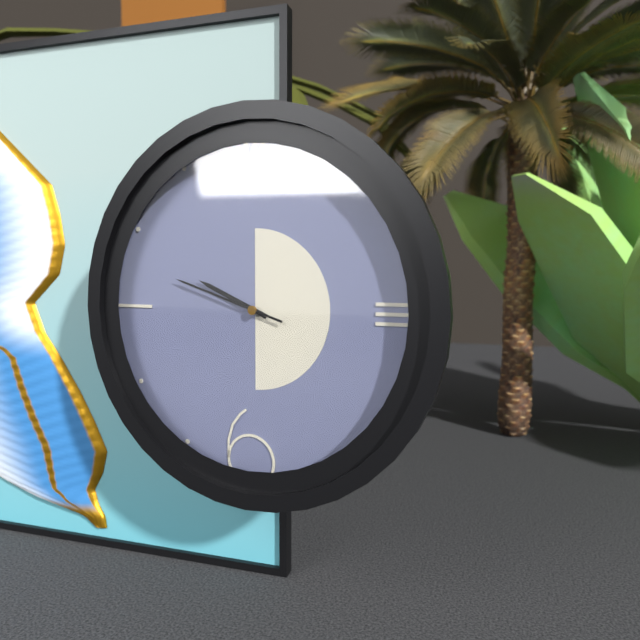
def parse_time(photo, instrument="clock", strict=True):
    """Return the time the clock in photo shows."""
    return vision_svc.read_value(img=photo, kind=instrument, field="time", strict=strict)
9:48
